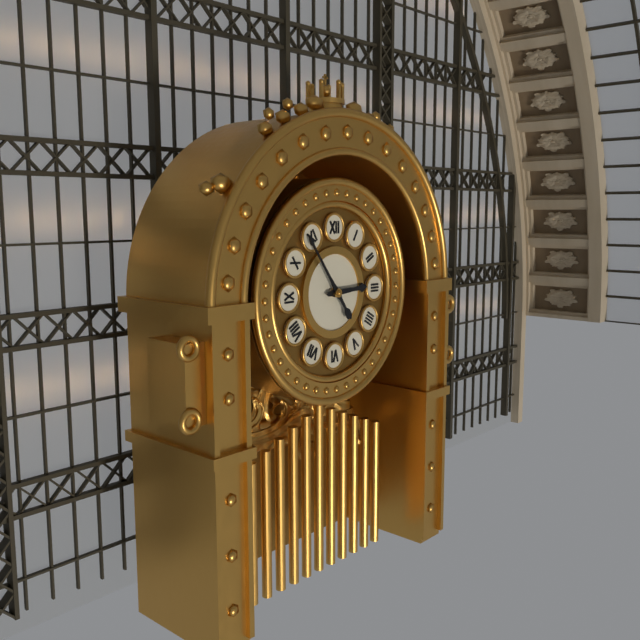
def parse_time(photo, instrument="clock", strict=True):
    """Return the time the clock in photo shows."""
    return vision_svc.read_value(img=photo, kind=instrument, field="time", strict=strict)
2:54
